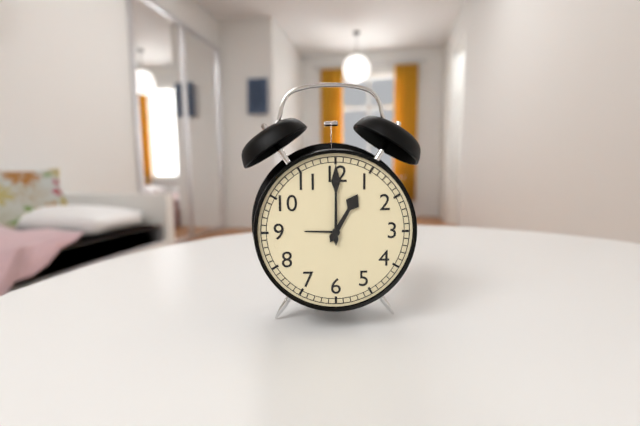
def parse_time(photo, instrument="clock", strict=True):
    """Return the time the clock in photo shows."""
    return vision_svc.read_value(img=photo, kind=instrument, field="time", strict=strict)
1:00
